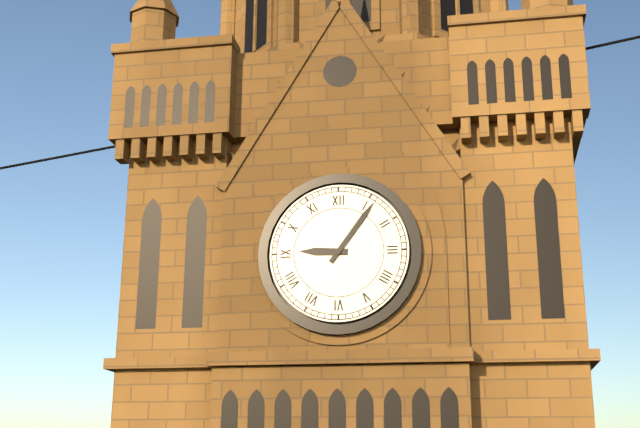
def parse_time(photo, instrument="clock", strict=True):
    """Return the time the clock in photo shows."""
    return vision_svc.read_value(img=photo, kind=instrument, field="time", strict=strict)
9:06
